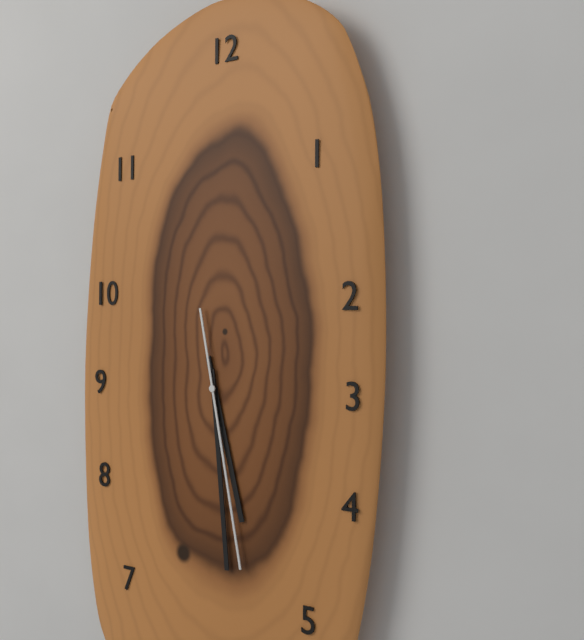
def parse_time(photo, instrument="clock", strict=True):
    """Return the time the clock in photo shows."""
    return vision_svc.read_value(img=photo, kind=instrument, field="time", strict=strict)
5:29:28
